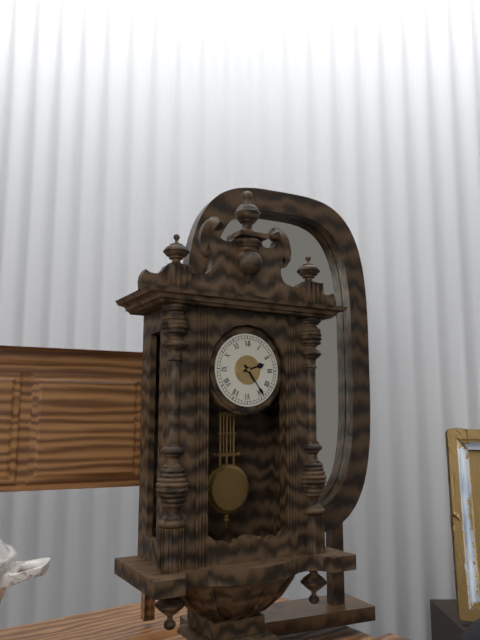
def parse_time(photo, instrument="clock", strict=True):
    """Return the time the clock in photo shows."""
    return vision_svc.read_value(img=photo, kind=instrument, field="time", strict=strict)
2:24
